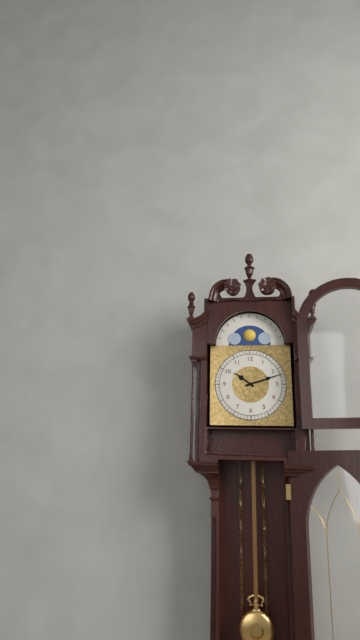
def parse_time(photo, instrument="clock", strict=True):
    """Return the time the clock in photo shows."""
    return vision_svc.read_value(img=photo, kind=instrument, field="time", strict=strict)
10:12
